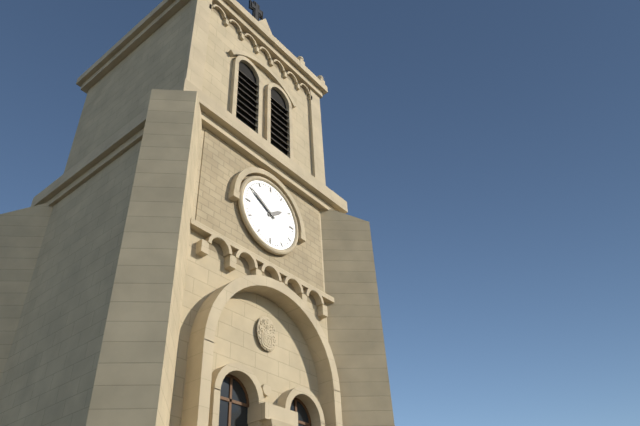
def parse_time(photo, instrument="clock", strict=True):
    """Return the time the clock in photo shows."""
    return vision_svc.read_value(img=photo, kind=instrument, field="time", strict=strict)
1:50
